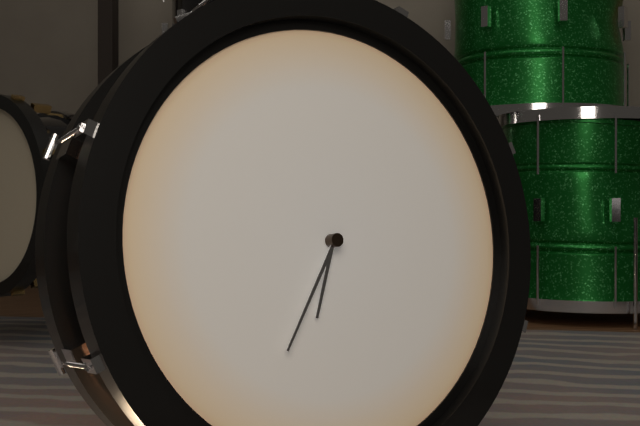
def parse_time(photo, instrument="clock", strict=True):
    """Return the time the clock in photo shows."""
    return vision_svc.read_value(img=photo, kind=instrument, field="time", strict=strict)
6:35
